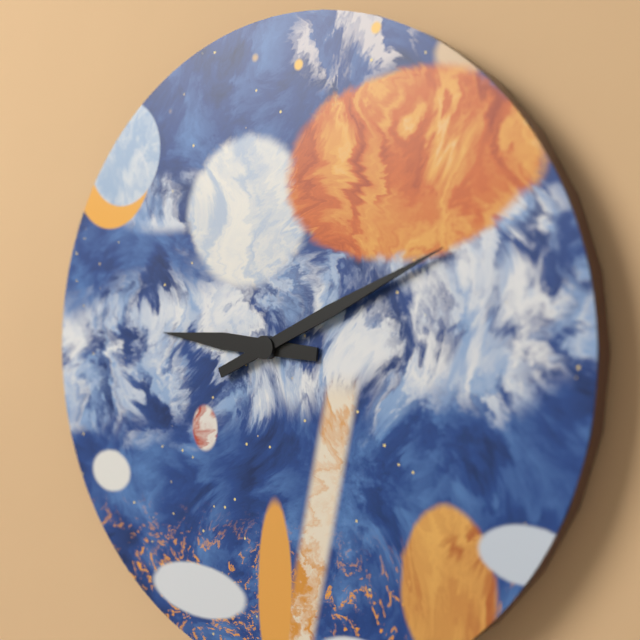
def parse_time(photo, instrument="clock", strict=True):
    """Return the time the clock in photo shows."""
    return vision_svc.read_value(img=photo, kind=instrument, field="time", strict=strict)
9:11
